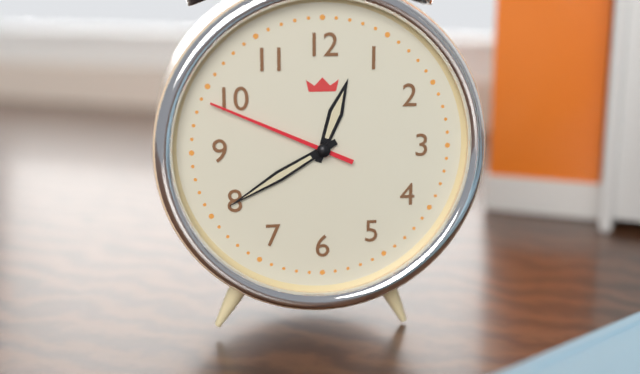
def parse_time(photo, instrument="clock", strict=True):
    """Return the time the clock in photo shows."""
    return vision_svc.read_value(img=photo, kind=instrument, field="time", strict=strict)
12:40:49
